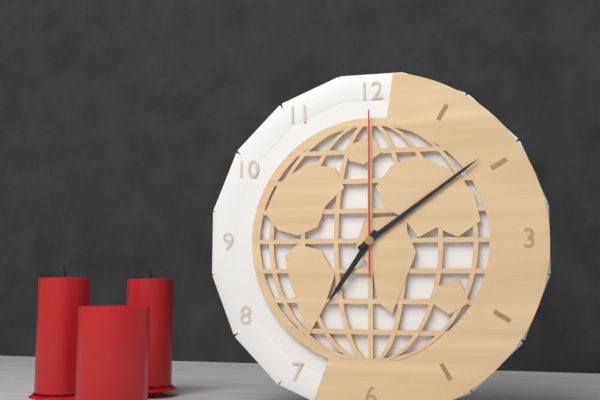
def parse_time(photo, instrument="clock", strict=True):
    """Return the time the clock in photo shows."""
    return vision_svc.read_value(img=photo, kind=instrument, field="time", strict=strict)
7:09:00
